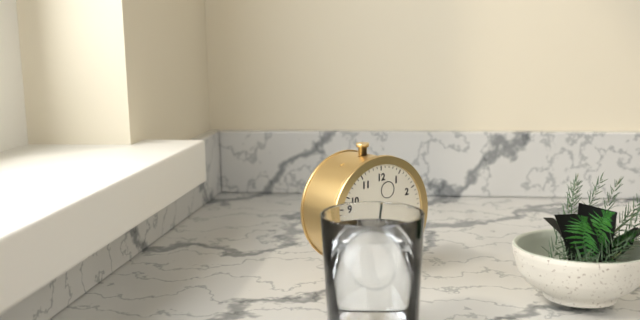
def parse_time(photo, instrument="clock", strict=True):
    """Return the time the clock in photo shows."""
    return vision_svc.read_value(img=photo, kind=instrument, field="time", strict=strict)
6:19
